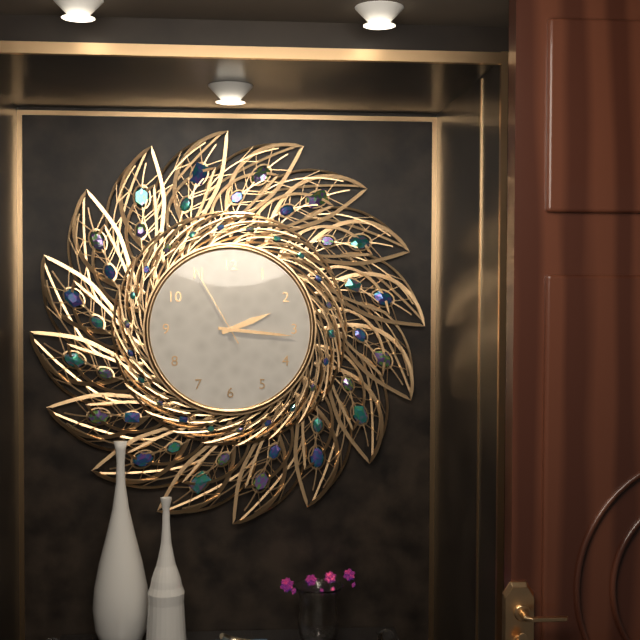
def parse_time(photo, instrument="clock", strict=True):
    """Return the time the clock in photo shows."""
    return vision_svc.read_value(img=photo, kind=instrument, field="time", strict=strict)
2:16:55
